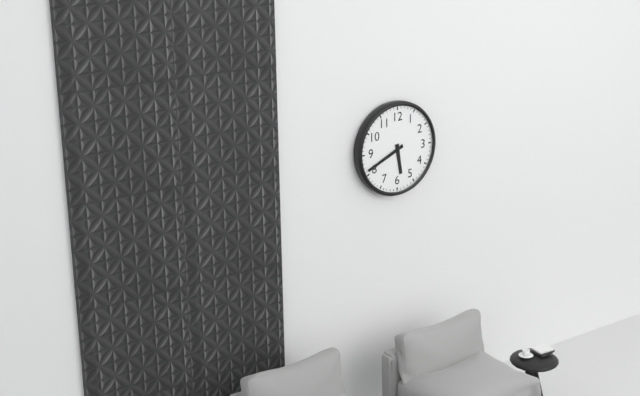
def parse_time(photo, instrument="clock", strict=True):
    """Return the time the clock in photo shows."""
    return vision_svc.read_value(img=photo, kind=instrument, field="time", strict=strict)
5:41
